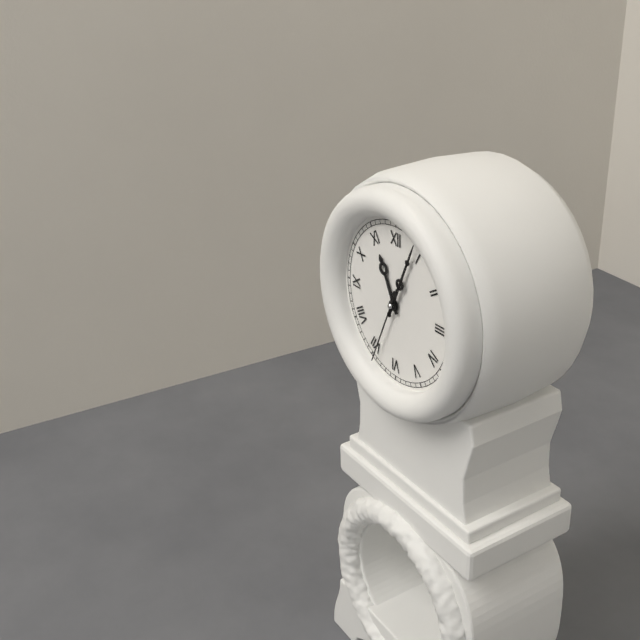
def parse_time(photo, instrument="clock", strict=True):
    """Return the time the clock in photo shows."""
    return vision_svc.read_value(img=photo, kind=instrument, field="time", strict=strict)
11:04:34
